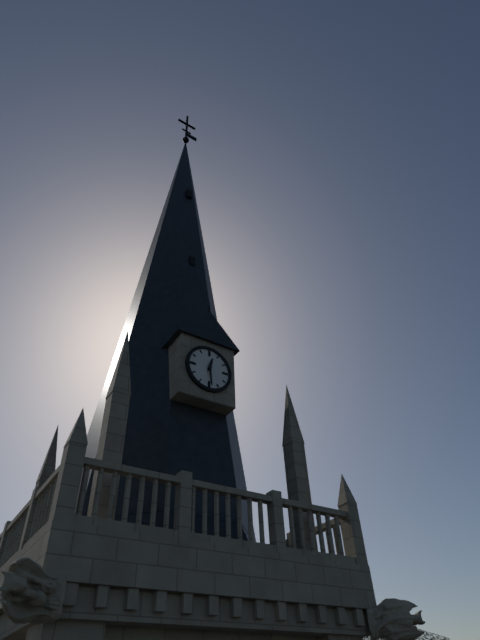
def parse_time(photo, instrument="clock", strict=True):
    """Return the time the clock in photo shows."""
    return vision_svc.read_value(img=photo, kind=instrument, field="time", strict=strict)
12:29
